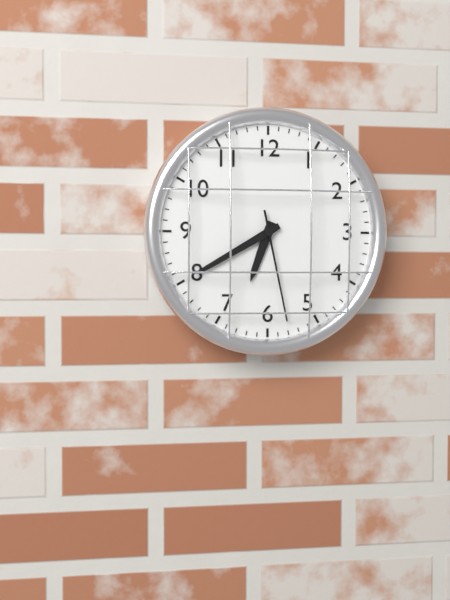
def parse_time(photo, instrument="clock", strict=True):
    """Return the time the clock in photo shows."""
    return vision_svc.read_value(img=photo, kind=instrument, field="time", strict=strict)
6:40:28
